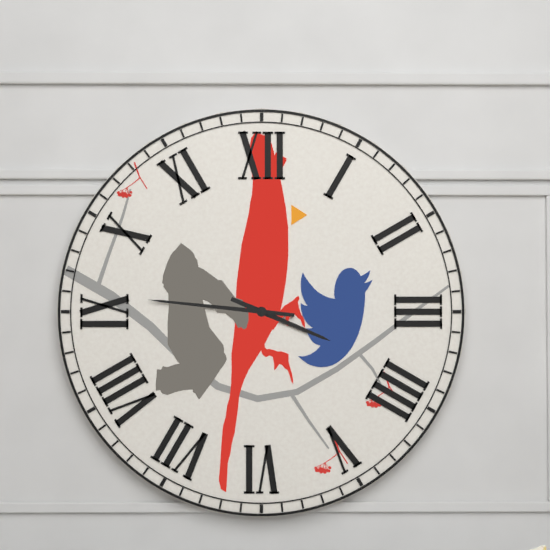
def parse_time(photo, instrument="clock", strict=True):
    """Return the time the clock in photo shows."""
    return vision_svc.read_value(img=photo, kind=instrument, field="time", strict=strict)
3:46
